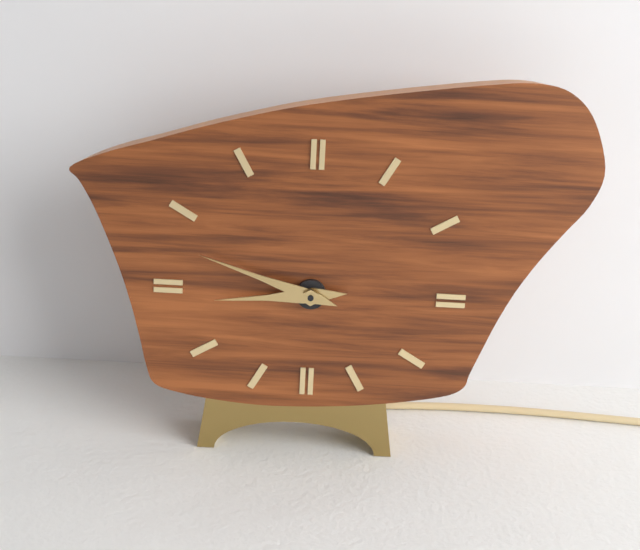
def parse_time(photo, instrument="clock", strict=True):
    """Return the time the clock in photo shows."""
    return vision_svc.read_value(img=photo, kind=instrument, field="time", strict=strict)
8:48
